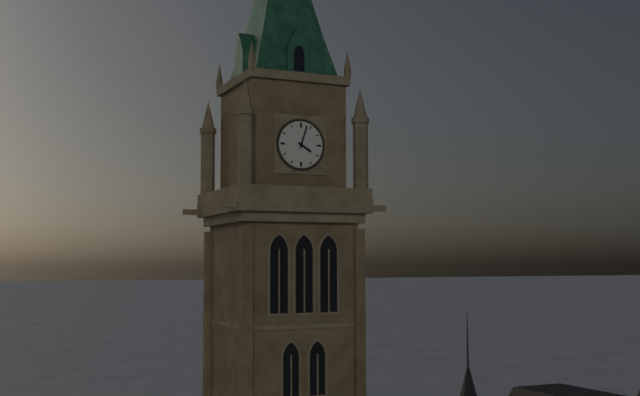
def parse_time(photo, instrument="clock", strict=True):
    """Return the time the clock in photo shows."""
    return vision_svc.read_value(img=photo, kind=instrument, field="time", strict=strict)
4:03
